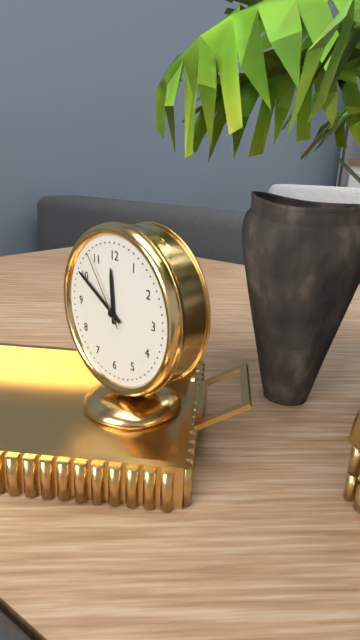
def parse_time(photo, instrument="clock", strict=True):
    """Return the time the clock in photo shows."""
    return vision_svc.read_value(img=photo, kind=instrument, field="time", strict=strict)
11:50:54
